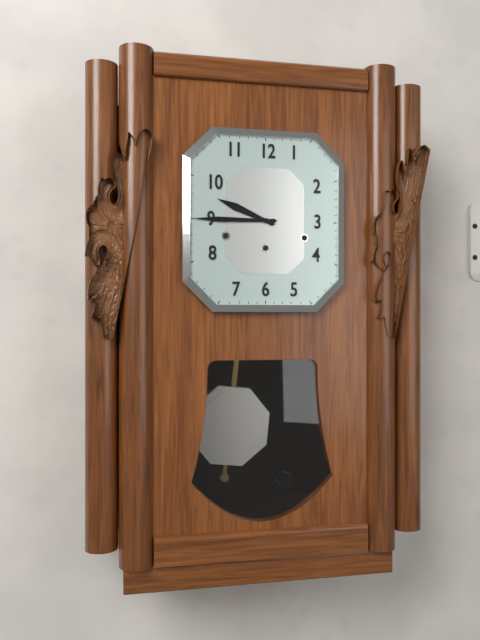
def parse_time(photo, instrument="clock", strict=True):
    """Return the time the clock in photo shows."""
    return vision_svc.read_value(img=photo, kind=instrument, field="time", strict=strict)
9:45
